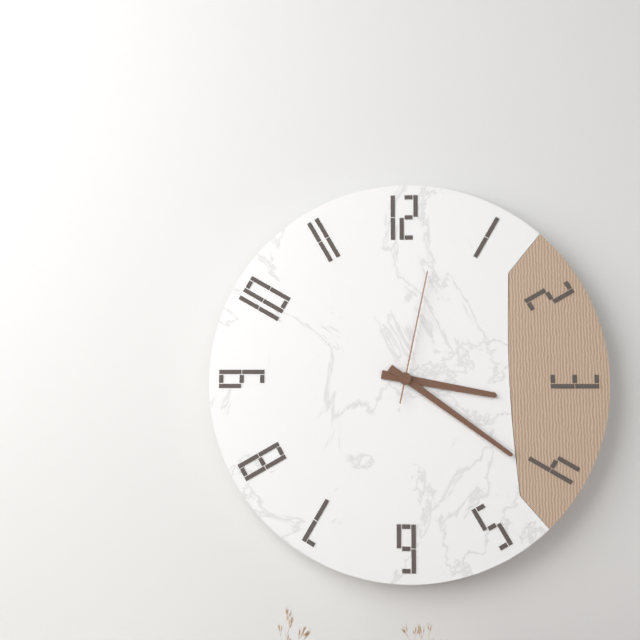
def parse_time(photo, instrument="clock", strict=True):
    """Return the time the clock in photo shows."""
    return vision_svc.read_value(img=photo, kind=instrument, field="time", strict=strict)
3:21:02
